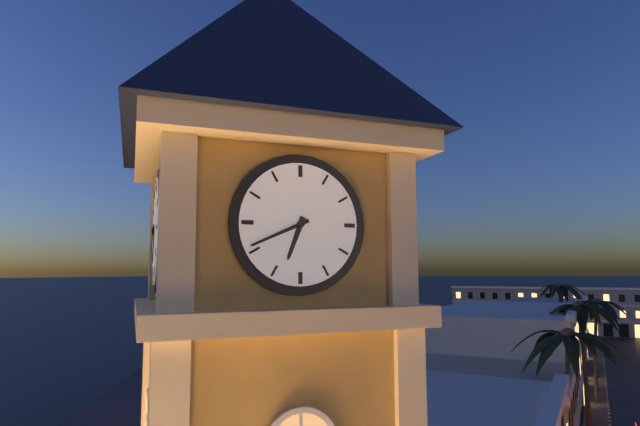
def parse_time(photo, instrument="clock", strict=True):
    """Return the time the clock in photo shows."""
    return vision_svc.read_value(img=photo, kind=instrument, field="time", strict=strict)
6:41
